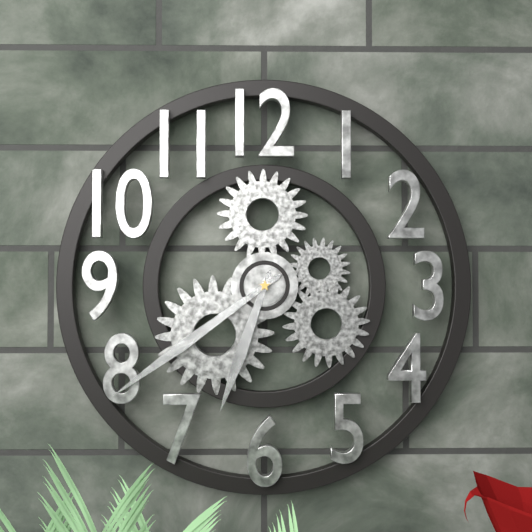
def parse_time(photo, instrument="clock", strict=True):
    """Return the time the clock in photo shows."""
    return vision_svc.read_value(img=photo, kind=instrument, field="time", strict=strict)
6:39
